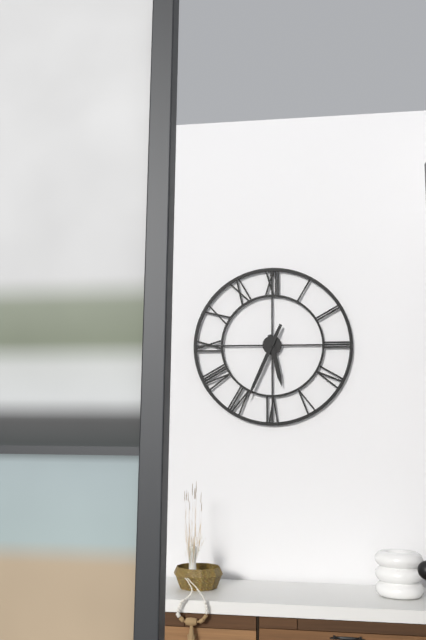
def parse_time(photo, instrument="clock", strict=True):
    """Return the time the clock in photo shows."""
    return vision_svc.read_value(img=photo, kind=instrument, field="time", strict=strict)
5:34
